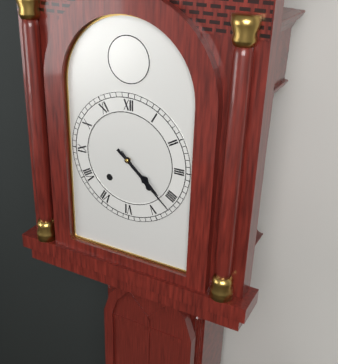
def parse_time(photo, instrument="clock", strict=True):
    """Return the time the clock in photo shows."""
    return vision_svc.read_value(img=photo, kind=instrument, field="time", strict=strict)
4:22
